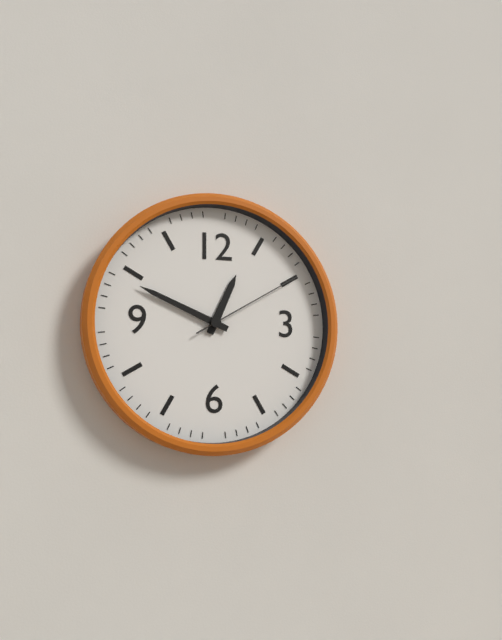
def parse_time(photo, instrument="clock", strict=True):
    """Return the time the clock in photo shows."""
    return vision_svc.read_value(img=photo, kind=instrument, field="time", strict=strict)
12:49:10
